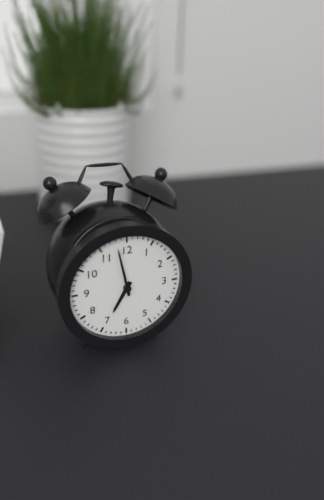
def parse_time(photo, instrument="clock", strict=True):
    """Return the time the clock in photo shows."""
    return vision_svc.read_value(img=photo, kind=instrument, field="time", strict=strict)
6:58
